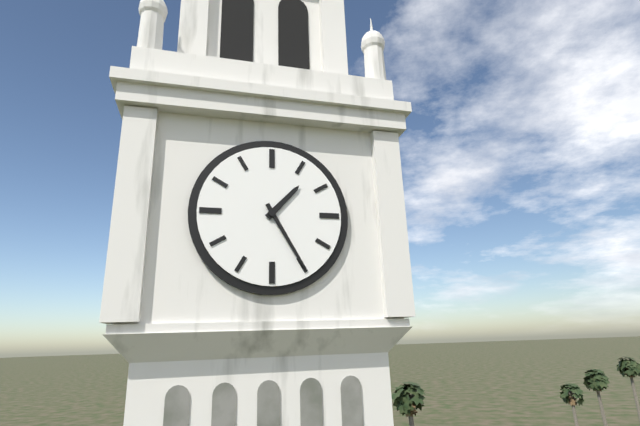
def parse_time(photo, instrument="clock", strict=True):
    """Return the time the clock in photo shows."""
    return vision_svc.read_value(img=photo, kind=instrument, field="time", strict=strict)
1:25
